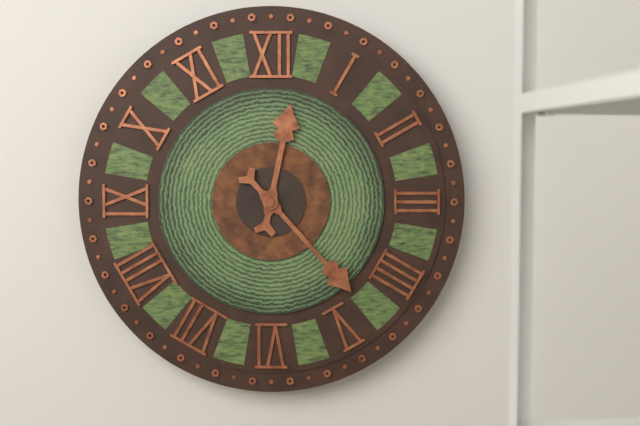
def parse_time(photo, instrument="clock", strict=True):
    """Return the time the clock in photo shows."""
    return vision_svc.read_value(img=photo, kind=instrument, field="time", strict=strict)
12:23
